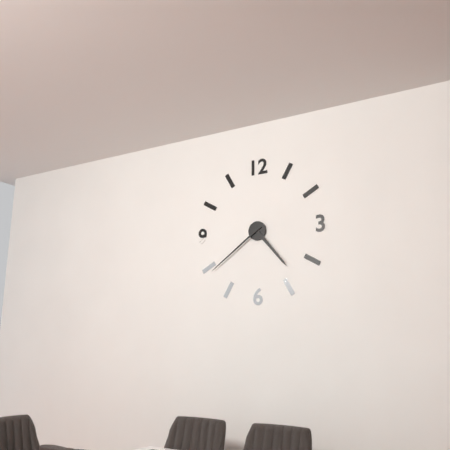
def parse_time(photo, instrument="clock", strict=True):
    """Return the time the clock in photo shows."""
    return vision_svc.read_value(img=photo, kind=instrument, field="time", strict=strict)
4:39
